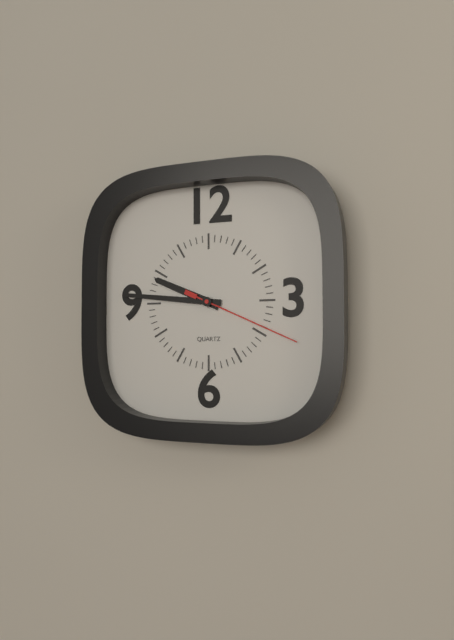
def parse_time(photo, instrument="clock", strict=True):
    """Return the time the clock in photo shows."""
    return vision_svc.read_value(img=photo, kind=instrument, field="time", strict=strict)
9:46:19
